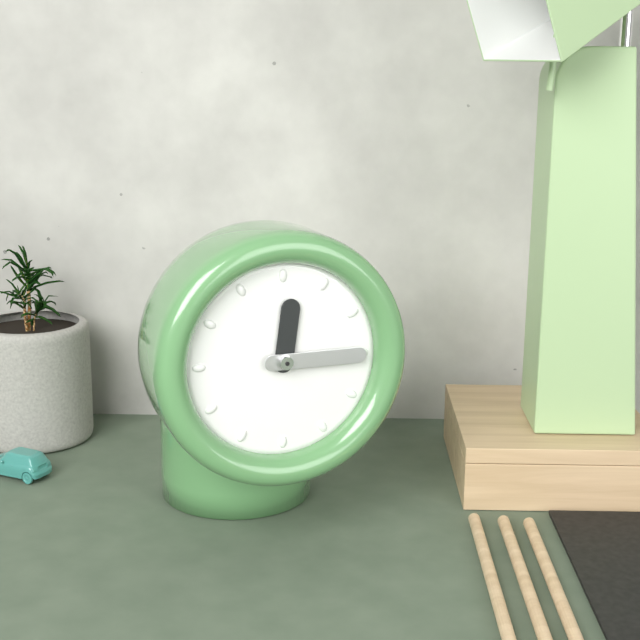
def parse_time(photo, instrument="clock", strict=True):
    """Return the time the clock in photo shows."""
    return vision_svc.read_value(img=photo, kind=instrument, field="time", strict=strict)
12:15
